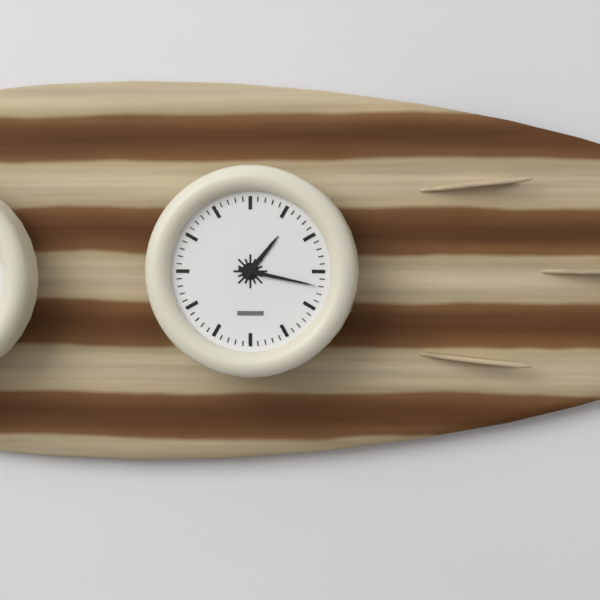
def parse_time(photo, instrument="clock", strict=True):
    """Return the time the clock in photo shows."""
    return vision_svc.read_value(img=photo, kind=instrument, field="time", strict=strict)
1:17
